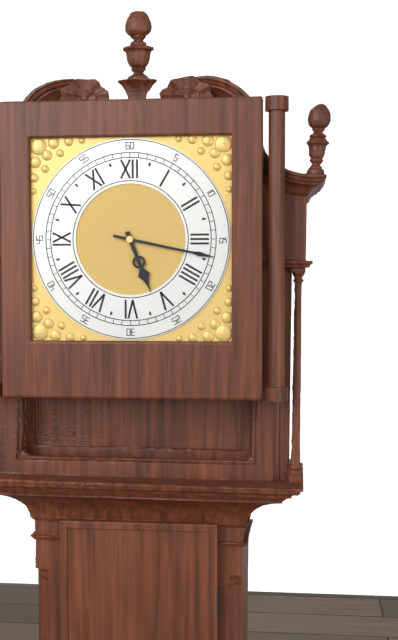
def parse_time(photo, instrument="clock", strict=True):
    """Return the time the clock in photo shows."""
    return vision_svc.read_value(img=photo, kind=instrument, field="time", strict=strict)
5:17
